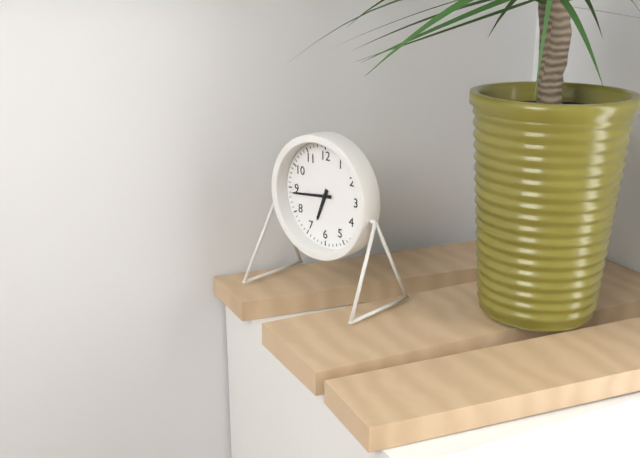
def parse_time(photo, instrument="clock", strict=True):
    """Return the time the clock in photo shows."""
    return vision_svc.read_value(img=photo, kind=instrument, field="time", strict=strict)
6:44
